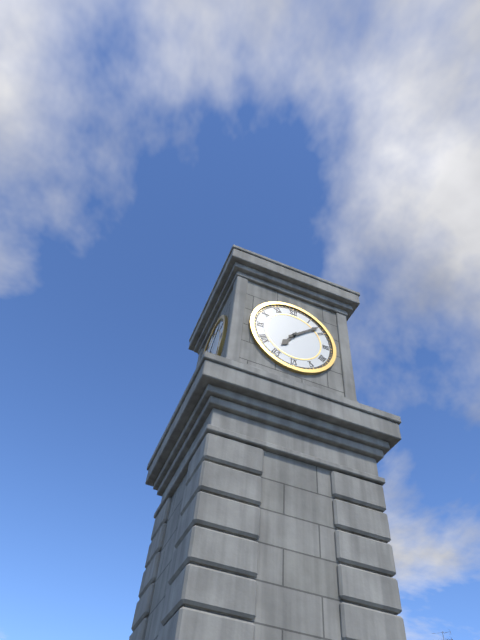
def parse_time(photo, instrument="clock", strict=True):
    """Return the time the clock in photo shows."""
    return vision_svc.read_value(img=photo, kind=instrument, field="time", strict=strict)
7:08
